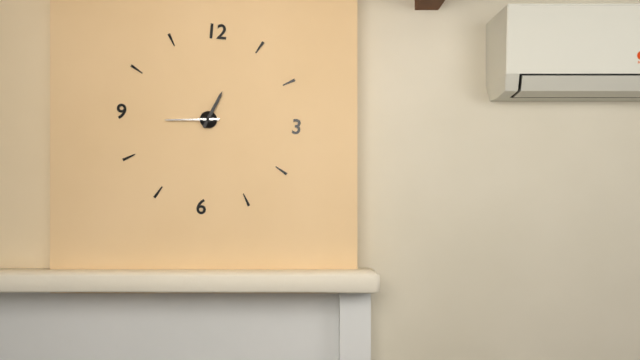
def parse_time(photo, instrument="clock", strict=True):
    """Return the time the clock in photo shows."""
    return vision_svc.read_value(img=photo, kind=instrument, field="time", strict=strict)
12:44
